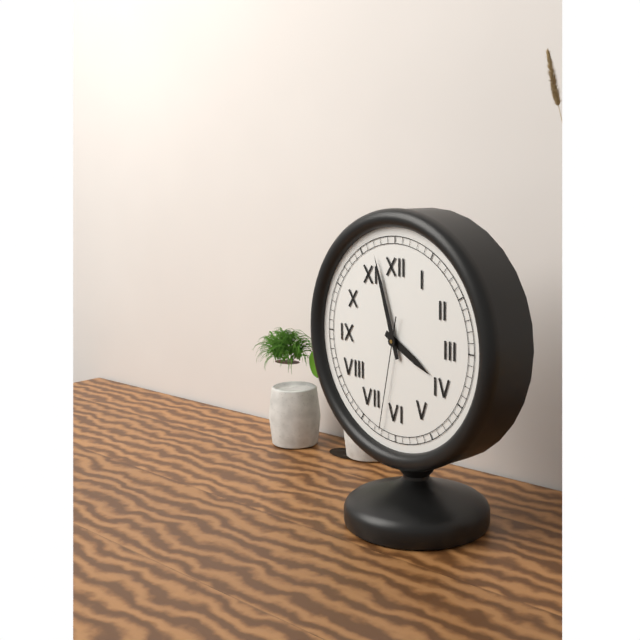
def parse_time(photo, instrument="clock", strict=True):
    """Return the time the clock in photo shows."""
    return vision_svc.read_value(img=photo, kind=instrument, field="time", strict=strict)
3:57:32
